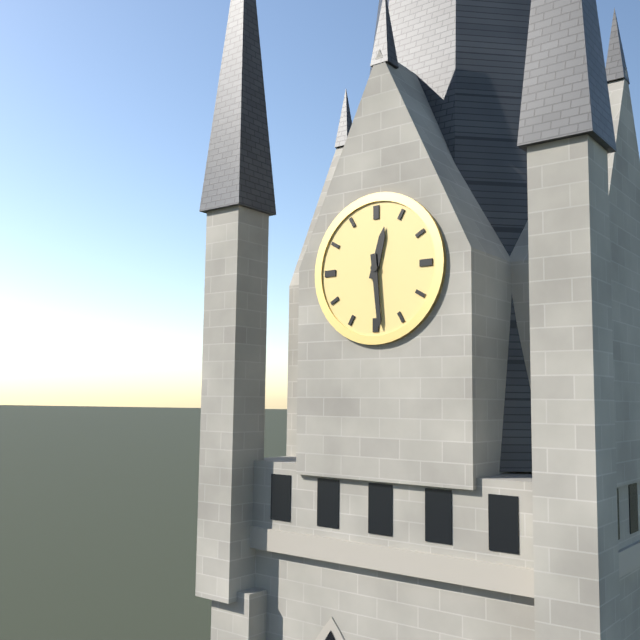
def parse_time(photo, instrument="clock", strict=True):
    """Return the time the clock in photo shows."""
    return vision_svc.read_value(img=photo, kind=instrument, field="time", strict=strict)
12:29
